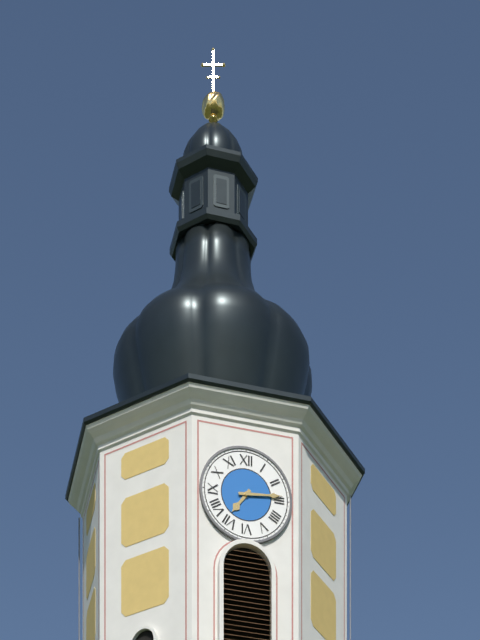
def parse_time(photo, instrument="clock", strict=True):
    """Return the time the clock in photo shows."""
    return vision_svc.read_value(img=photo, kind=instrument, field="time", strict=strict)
7:14
